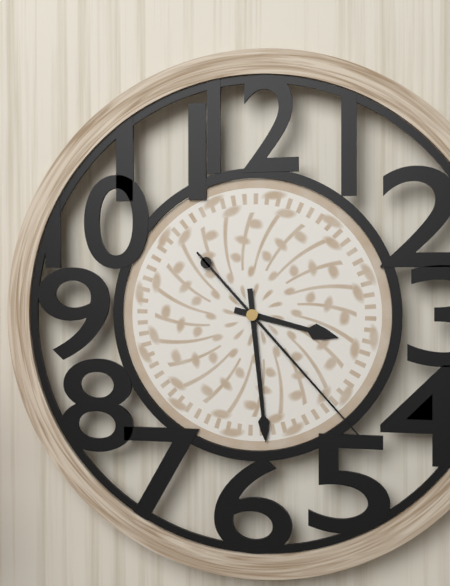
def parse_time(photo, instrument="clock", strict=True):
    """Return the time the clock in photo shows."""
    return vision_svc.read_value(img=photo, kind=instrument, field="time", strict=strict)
3:29:23
